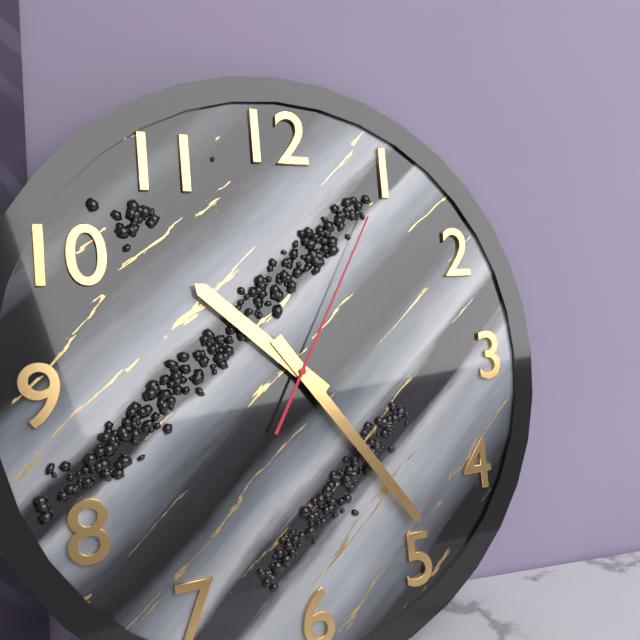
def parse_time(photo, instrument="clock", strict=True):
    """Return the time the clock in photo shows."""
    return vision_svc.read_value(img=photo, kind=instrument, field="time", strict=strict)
10:24:05
